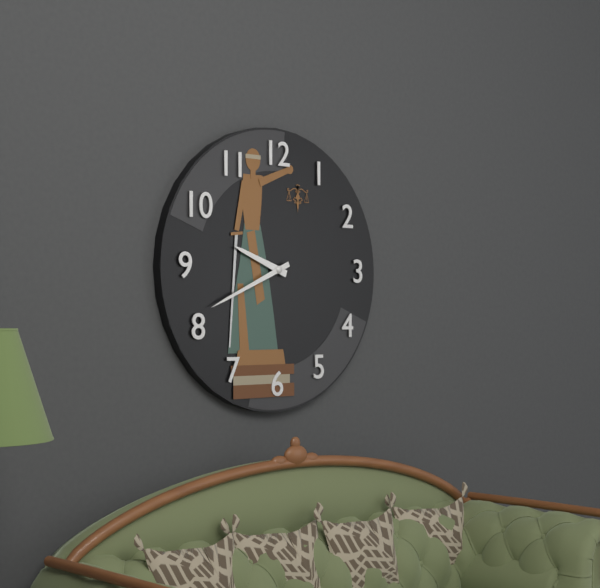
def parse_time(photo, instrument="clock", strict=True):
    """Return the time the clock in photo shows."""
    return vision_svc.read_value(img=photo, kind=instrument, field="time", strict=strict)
9:41
